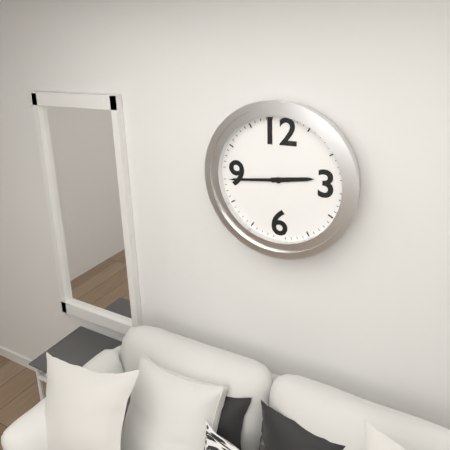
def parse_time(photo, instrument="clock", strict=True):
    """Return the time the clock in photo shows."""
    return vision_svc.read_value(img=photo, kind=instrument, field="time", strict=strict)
2:44
